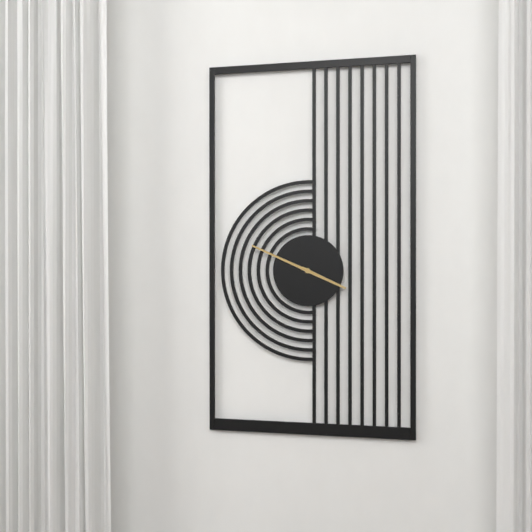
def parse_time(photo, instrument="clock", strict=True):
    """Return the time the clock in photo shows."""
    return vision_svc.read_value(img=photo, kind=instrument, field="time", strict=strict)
3:49
